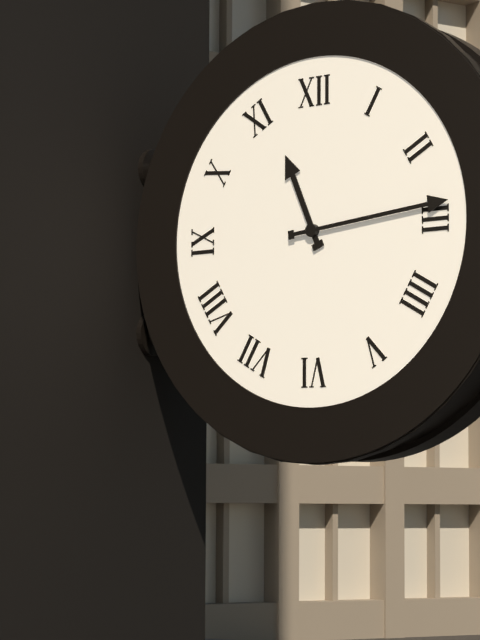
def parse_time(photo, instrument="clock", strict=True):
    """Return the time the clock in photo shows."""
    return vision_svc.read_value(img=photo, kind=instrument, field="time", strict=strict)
11:14
